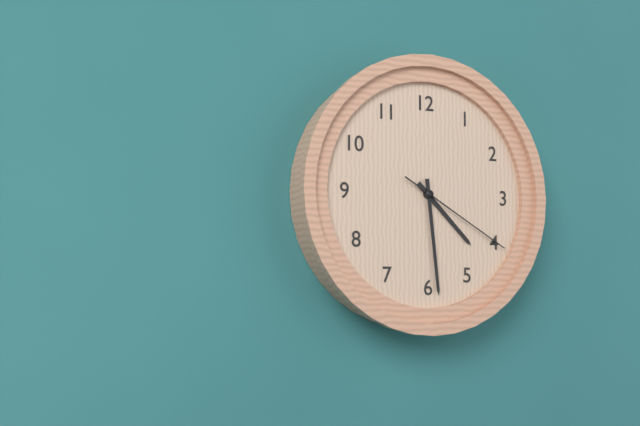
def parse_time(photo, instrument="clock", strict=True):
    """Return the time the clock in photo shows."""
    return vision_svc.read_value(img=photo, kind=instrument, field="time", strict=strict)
4:29:20
